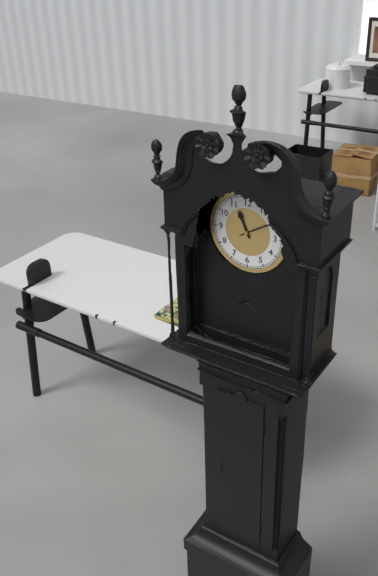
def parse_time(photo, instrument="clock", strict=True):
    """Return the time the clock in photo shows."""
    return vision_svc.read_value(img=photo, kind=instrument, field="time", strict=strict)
11:10
